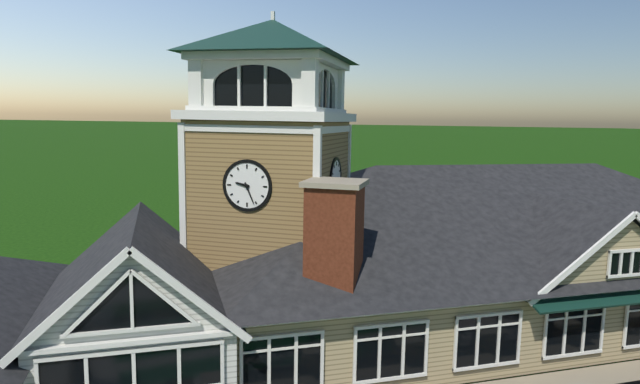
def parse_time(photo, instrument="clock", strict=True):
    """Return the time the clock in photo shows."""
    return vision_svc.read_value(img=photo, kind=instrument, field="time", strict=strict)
9:26
